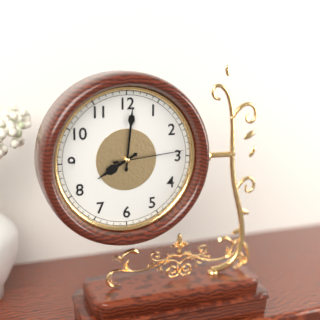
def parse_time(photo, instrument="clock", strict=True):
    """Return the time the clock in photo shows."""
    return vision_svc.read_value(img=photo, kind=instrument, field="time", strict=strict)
8:01:14
